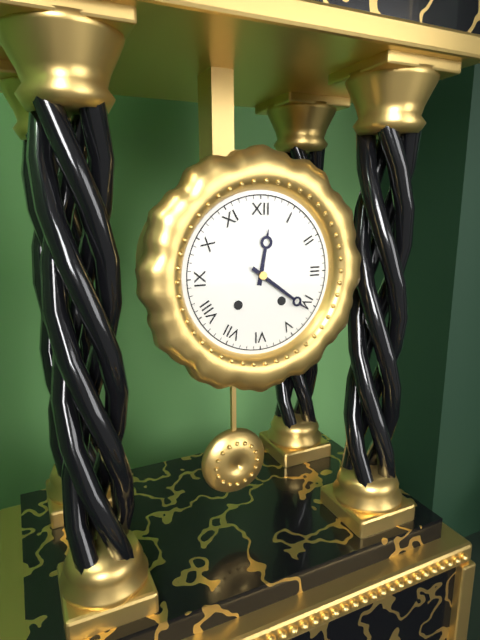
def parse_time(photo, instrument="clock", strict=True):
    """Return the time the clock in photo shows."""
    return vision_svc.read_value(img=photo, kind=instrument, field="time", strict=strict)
12:21
